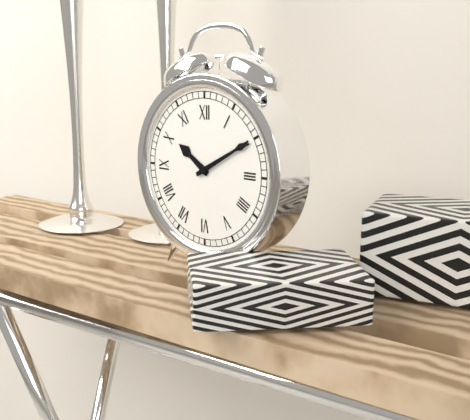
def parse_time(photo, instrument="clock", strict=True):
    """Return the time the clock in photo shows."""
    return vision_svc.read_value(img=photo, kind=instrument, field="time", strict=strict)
10:10
